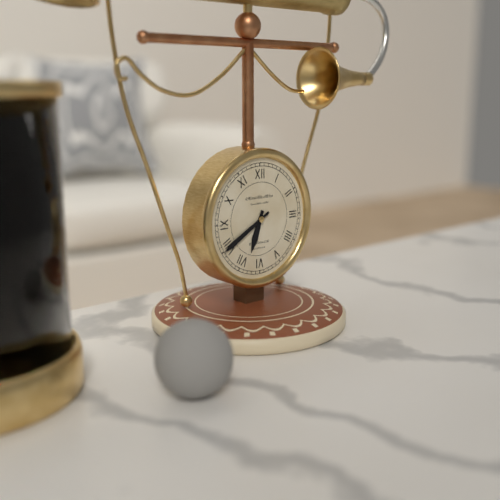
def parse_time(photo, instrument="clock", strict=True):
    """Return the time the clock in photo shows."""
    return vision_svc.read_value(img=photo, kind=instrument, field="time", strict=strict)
6:40
